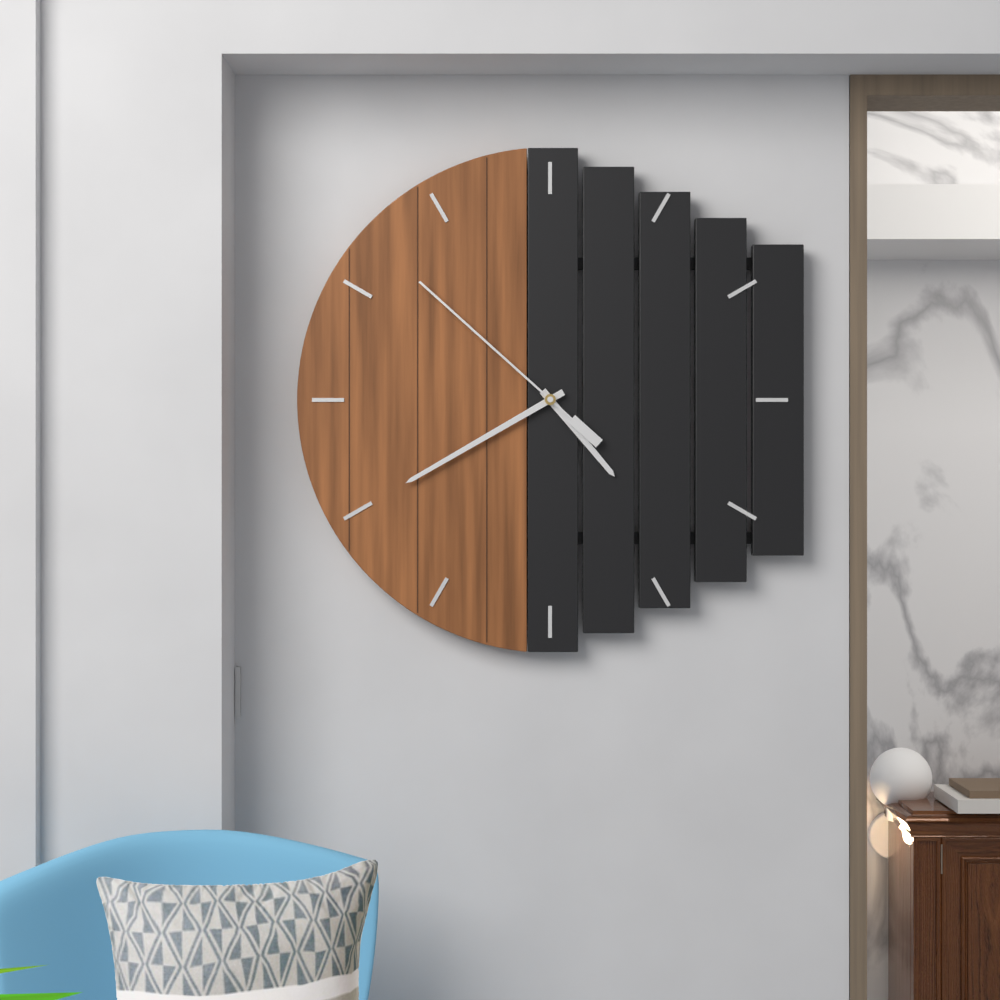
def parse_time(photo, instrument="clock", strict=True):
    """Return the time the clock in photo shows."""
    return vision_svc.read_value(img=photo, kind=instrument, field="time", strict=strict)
4:40:52
